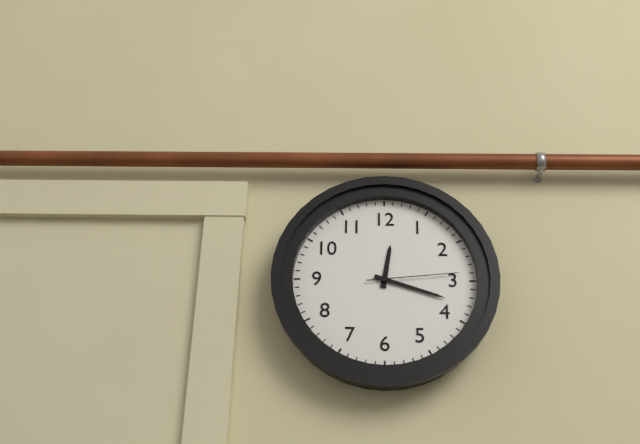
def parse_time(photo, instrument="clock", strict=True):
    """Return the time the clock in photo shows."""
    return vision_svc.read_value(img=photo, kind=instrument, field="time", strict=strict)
12:18:14
